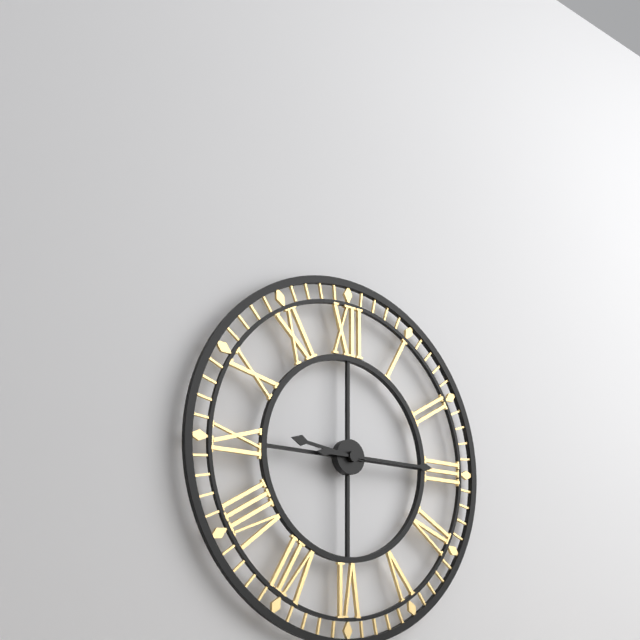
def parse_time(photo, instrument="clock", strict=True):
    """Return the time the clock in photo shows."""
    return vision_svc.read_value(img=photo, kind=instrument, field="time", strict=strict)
9:15
